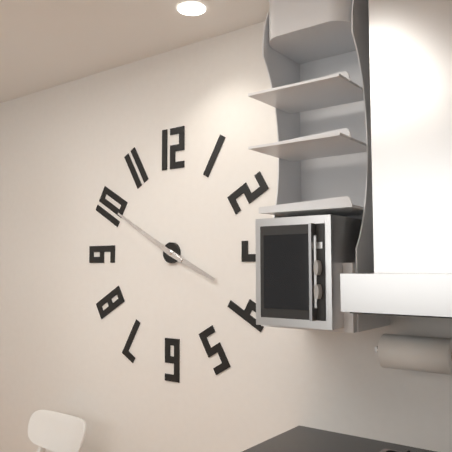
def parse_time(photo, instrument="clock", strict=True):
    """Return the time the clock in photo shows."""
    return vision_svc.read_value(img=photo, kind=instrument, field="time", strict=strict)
3:50
